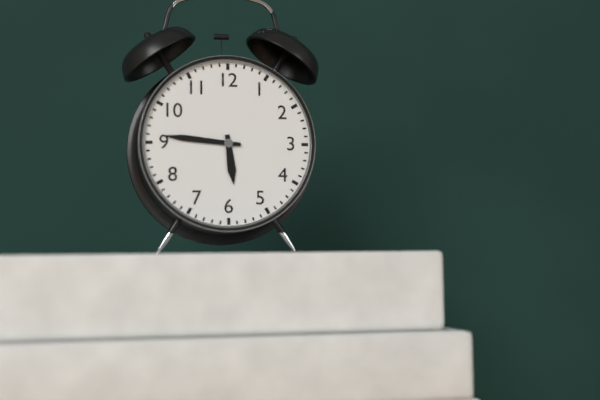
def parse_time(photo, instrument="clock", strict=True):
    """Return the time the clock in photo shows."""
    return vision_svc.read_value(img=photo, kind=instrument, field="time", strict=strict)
5:46
